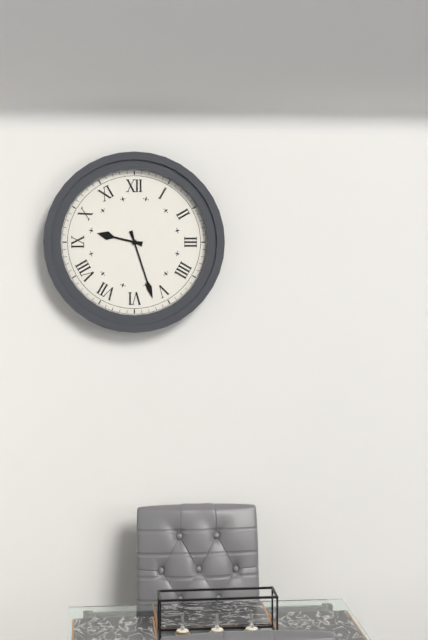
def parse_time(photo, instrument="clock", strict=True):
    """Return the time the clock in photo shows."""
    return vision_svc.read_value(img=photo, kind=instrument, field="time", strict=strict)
9:27
